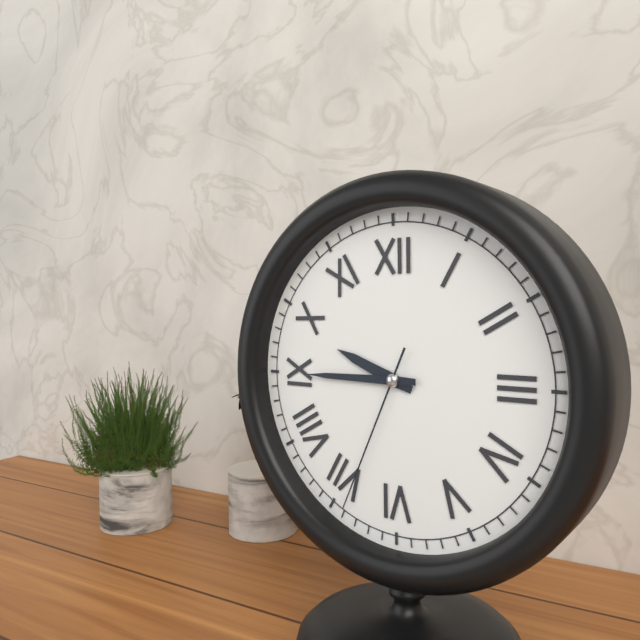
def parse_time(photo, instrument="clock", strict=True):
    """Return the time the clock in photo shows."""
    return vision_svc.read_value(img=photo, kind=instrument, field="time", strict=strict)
9:45:34
